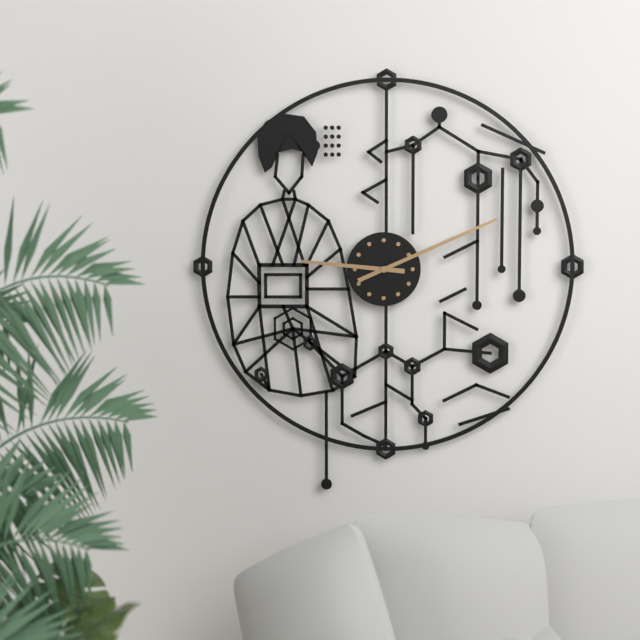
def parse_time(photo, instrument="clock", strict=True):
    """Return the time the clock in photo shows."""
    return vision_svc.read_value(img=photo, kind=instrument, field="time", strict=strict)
9:11
